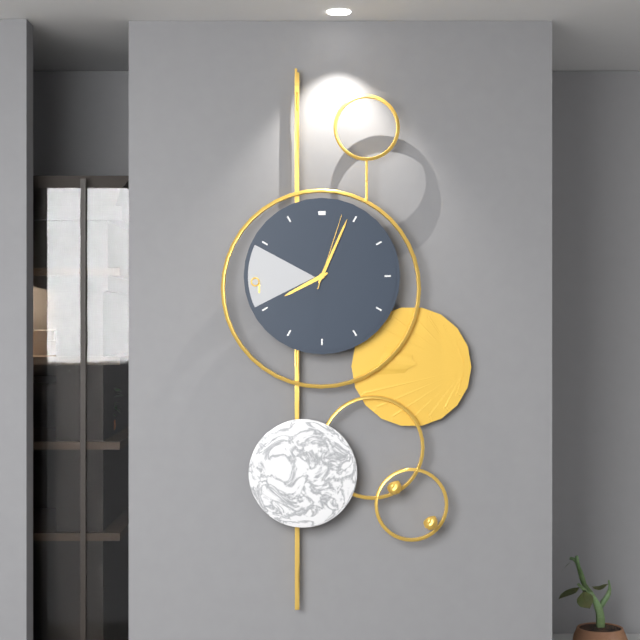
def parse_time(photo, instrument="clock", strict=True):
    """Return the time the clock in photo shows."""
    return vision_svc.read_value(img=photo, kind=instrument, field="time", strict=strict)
8:04:03
